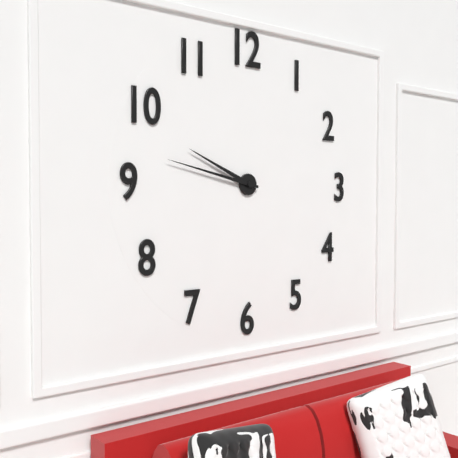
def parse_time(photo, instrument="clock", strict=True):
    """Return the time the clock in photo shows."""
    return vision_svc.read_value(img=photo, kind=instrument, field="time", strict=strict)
9:47
